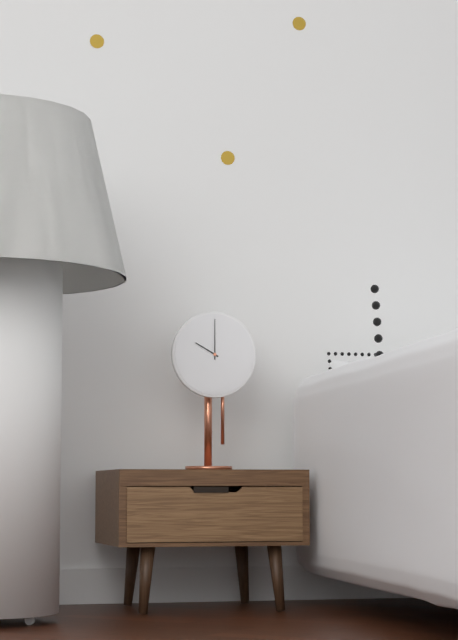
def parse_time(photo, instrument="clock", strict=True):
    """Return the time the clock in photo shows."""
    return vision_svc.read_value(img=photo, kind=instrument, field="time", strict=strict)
10:00
